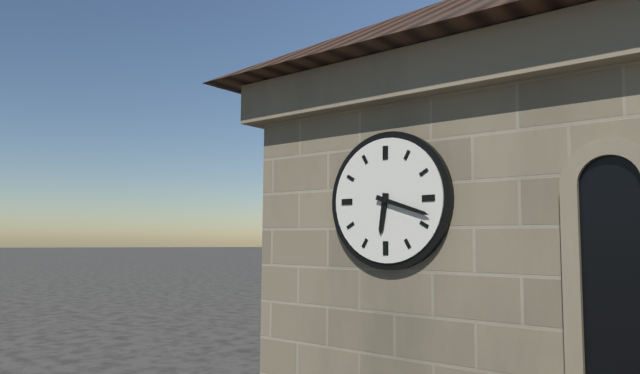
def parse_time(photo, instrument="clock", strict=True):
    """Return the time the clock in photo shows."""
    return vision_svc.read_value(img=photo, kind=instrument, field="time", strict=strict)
6:18
